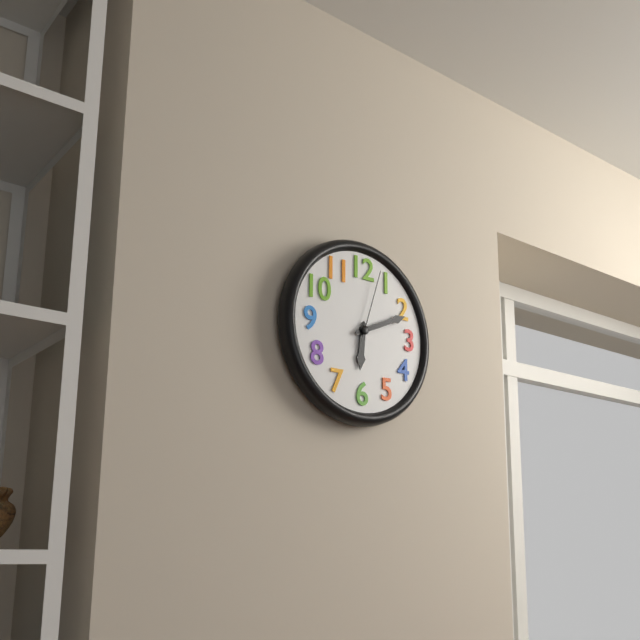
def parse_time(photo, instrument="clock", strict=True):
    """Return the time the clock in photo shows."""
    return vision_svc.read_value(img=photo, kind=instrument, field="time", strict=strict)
6:11:03
